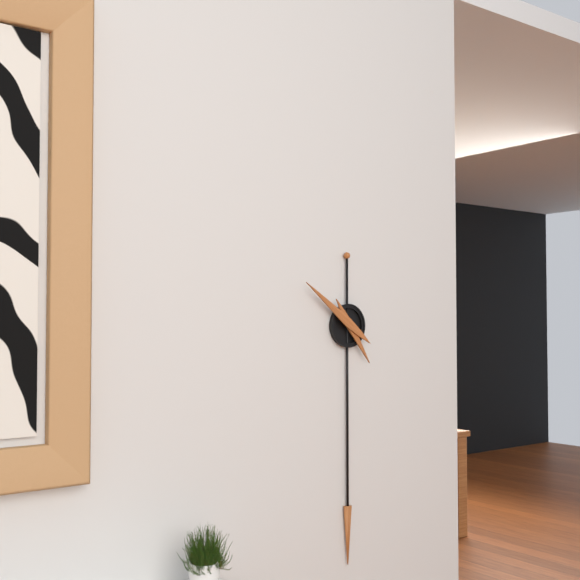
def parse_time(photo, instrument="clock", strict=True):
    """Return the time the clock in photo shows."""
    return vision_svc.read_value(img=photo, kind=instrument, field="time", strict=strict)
4:51
